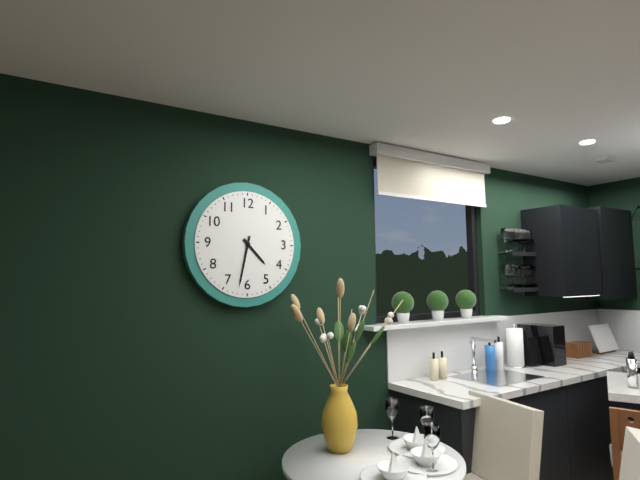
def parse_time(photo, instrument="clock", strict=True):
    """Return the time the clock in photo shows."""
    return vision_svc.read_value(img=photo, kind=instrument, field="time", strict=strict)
4:32
